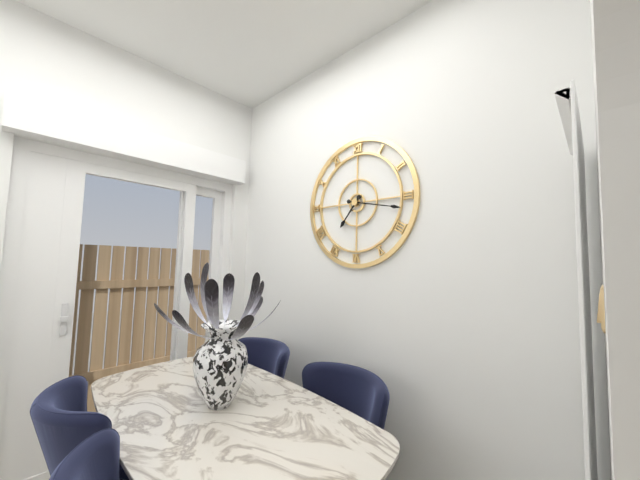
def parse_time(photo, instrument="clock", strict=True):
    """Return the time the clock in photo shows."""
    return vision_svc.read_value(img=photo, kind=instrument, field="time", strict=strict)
7:17
